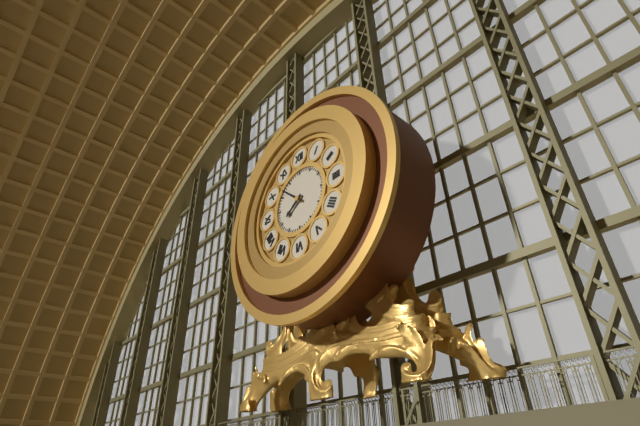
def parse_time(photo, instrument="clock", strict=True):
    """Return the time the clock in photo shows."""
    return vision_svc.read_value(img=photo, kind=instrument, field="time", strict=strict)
7:52
